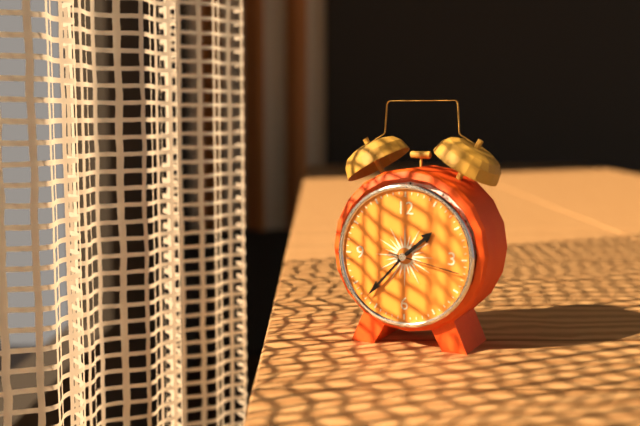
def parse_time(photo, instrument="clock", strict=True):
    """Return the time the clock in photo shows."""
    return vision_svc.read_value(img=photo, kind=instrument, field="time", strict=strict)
1:37:17
